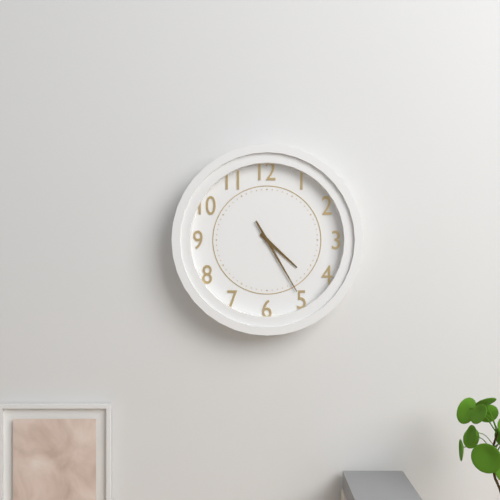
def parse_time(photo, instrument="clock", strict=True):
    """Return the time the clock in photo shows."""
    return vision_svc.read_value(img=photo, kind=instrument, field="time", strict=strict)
4:25
